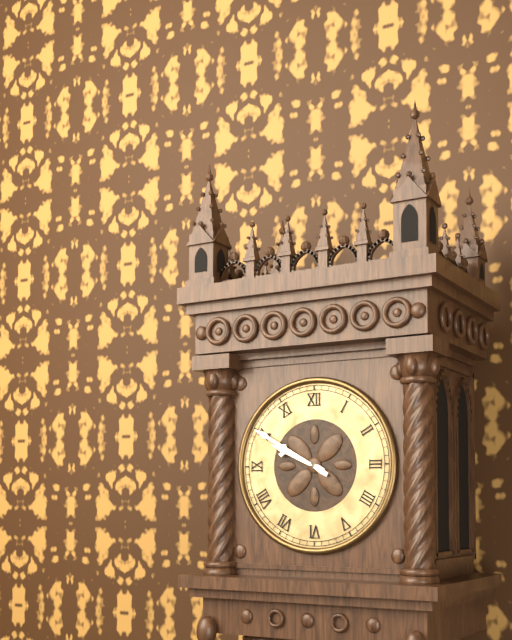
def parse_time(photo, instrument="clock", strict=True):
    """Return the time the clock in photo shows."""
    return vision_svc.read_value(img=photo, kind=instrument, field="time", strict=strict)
9:50
